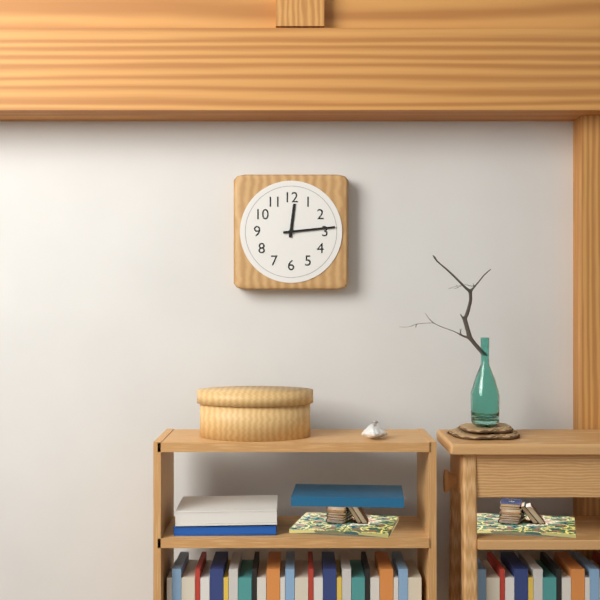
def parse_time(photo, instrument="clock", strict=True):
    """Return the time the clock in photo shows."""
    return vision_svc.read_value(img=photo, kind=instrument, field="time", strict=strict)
12:14
